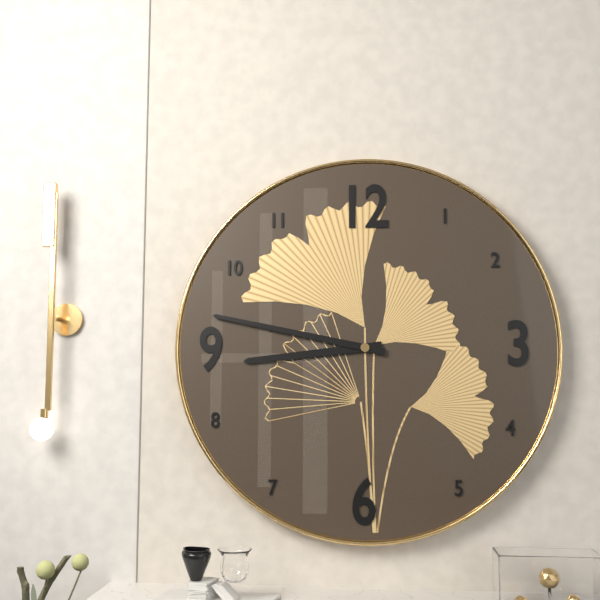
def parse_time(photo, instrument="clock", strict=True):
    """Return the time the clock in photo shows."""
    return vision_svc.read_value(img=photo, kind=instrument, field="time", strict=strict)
8:47
